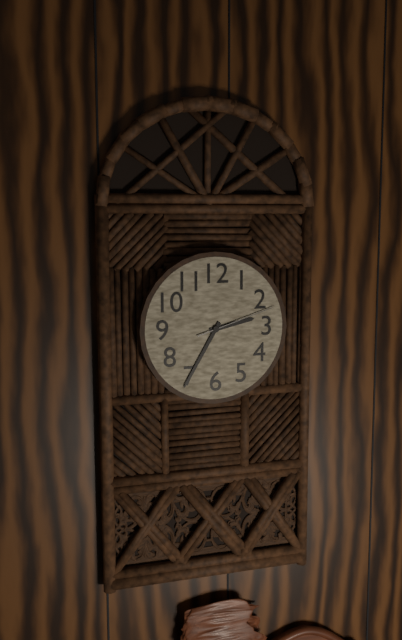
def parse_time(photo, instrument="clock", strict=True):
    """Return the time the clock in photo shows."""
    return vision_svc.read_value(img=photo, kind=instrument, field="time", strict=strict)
2:35:12
